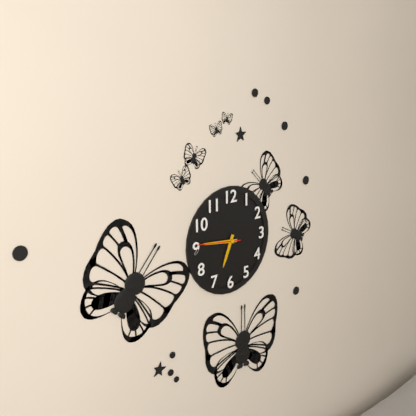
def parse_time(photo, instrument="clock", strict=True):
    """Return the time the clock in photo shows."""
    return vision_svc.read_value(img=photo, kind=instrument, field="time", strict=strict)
6:46
